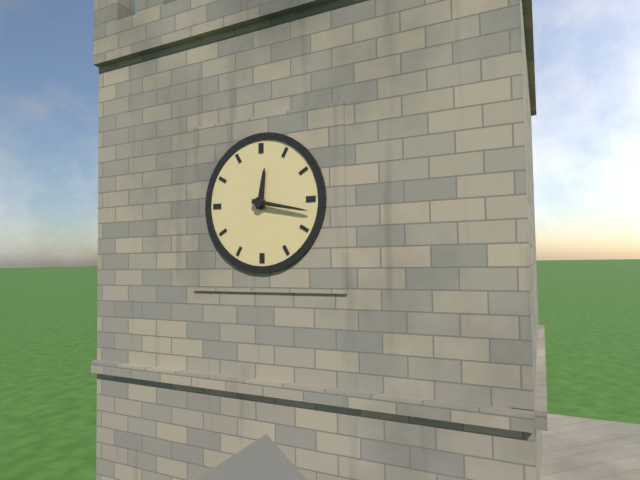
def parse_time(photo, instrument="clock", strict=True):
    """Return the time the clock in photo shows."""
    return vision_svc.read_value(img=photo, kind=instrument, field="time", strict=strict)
12:17
